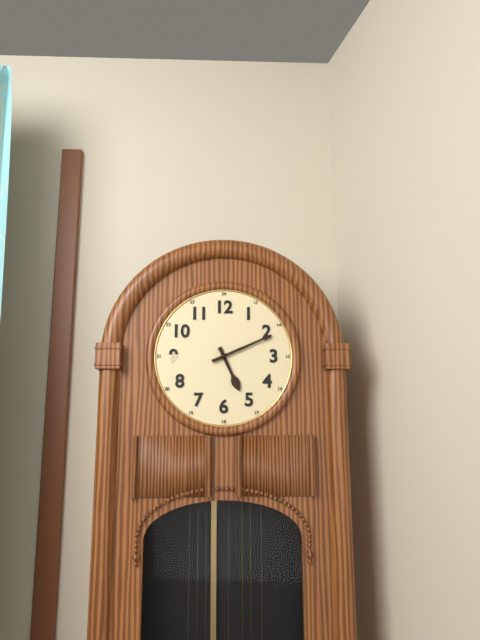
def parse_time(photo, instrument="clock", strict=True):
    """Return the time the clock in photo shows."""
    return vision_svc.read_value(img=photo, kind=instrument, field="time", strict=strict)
5:11
